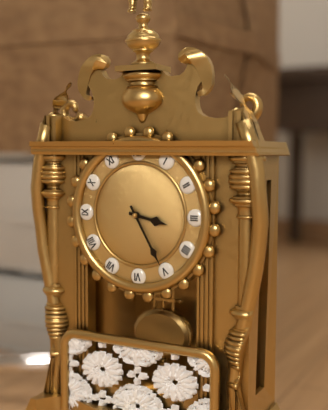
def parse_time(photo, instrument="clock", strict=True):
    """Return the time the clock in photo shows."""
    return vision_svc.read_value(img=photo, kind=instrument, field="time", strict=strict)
3:25
